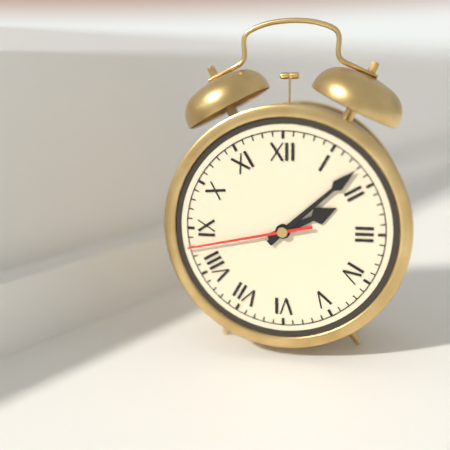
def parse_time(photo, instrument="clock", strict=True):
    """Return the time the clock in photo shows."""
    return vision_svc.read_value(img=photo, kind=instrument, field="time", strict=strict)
2:08:43
